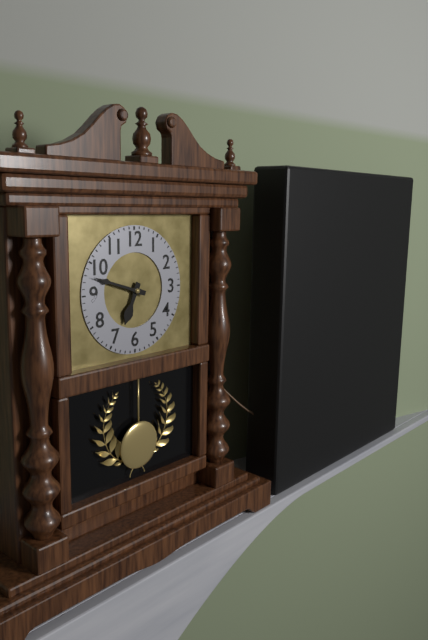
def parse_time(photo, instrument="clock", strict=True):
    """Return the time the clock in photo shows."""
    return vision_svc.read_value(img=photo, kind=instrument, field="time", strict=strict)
6:48
